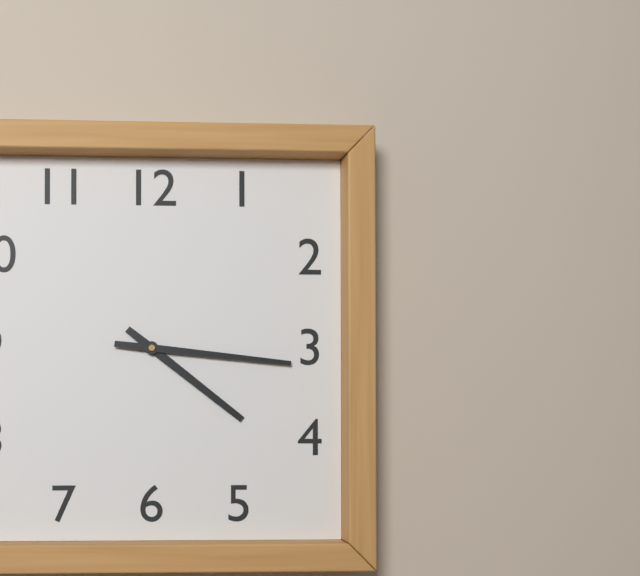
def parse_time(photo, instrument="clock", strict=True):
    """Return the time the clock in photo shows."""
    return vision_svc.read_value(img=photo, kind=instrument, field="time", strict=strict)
4:16
